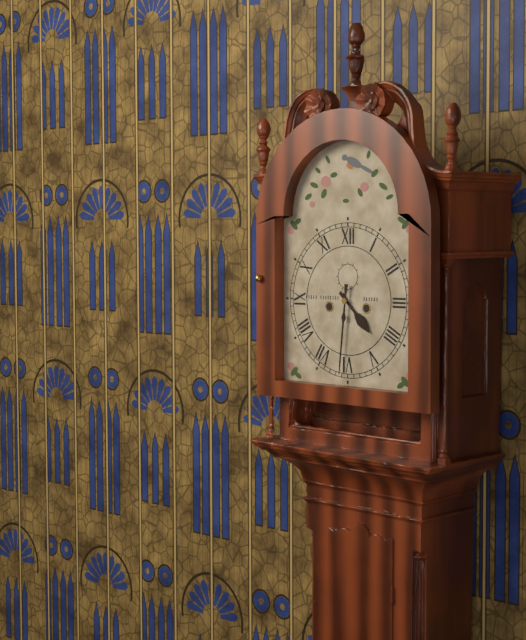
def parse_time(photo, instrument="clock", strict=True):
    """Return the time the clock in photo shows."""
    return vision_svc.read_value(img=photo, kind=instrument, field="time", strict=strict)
4:31
